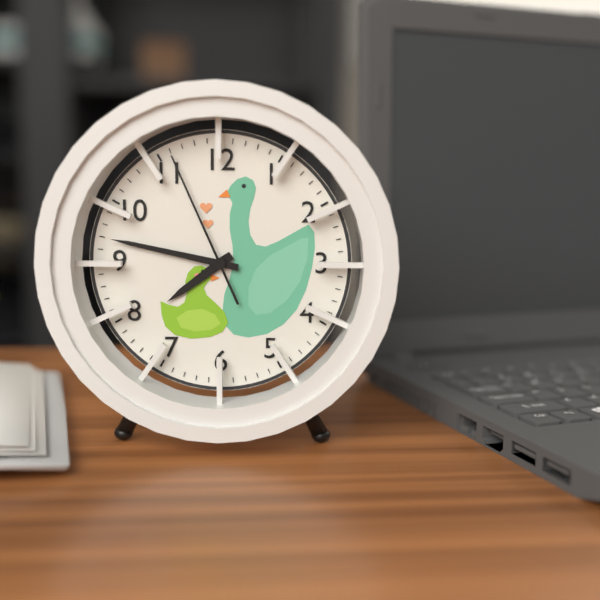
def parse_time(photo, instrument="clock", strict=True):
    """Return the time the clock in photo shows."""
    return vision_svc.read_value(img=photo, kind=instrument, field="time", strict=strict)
7:47:56
